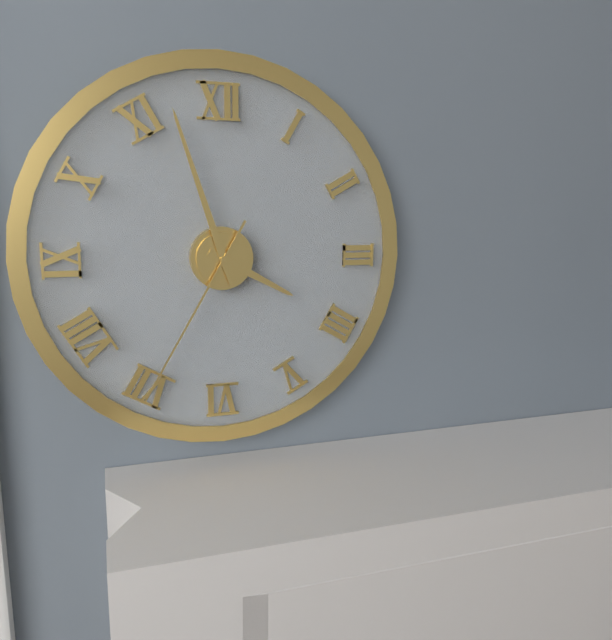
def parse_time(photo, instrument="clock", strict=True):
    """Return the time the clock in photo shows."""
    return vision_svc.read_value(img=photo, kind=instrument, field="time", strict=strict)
3:57:35
